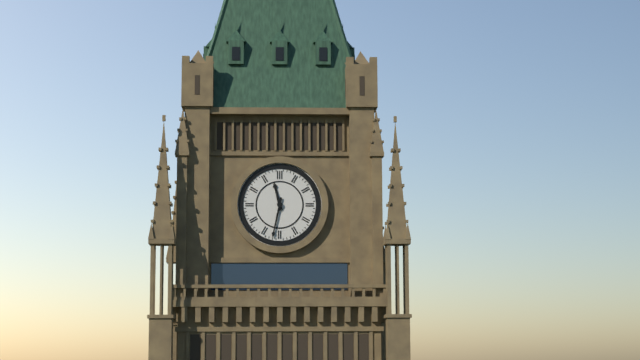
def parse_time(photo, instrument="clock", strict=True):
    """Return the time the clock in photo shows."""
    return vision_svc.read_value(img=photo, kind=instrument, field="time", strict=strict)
11:32
